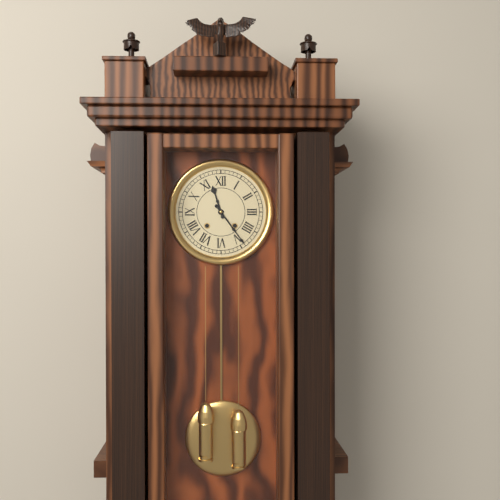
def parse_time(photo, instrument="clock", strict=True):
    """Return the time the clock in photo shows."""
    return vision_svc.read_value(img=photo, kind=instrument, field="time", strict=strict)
11:24
